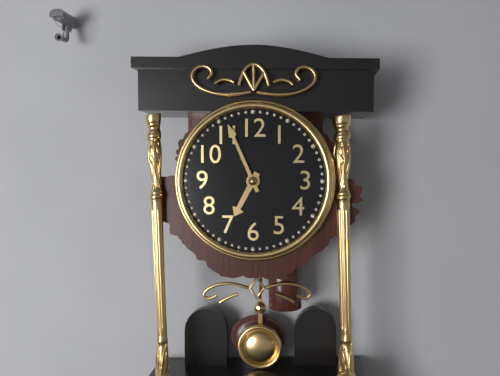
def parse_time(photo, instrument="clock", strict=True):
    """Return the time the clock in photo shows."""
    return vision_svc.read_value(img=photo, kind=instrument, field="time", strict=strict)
6:56
